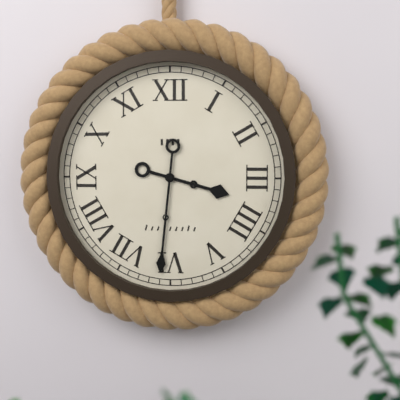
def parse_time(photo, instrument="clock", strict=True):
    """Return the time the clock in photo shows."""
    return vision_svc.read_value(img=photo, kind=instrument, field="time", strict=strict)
3:31
